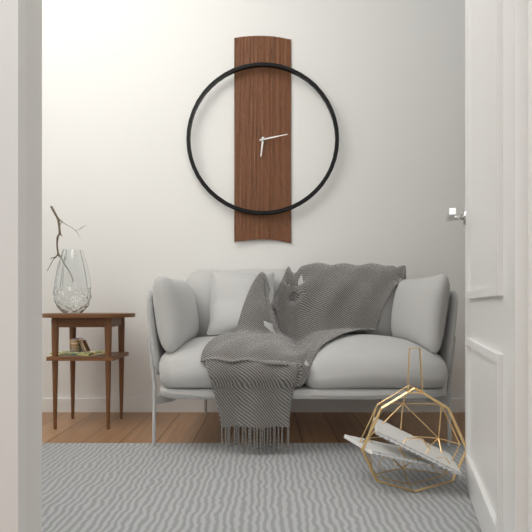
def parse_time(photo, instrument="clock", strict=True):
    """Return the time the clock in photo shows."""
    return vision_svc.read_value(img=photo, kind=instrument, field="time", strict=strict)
6:13
